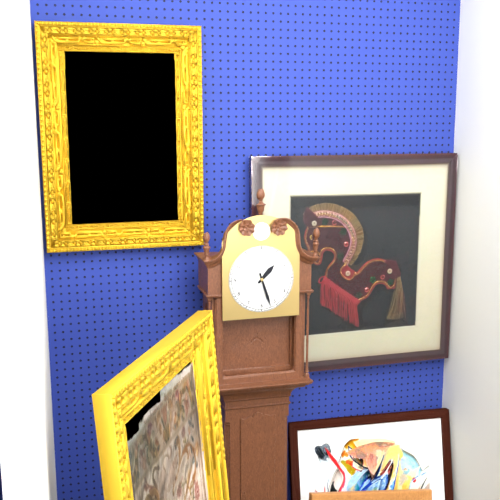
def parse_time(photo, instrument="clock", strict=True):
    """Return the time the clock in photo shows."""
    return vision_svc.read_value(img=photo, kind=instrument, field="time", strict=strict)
1:27
